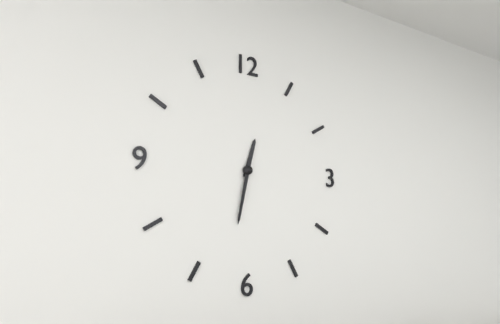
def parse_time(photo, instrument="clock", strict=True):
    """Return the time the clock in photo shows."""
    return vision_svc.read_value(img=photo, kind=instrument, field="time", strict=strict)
12:32
